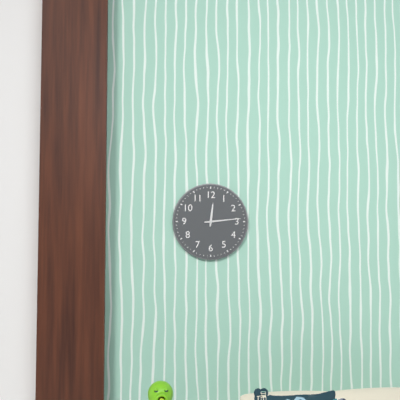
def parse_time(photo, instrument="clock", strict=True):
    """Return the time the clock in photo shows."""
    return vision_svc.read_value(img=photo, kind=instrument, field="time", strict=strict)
12:14
